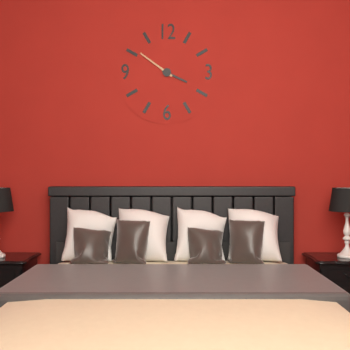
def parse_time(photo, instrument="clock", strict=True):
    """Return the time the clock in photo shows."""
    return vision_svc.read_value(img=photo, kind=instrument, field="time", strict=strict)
3:51
